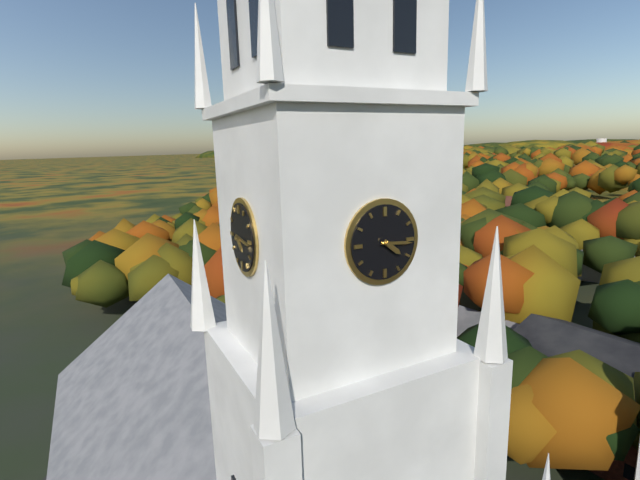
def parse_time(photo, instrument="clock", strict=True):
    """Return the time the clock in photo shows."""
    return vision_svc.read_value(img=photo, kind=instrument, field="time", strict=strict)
4:16
